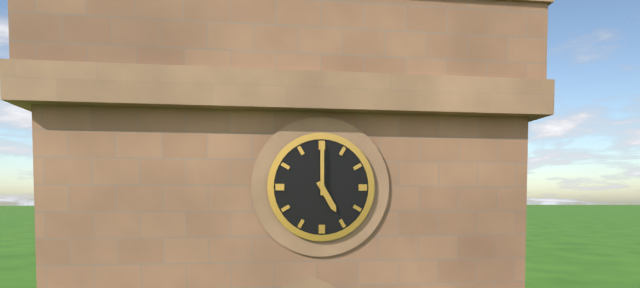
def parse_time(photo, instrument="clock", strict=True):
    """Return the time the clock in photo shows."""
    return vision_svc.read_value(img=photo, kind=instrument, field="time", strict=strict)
5:00
